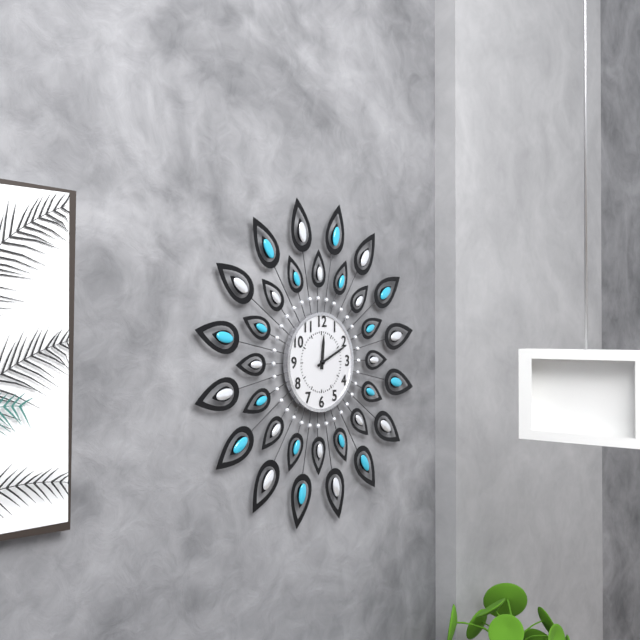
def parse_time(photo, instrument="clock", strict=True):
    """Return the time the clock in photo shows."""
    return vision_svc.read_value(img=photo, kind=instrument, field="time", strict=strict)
12:11
